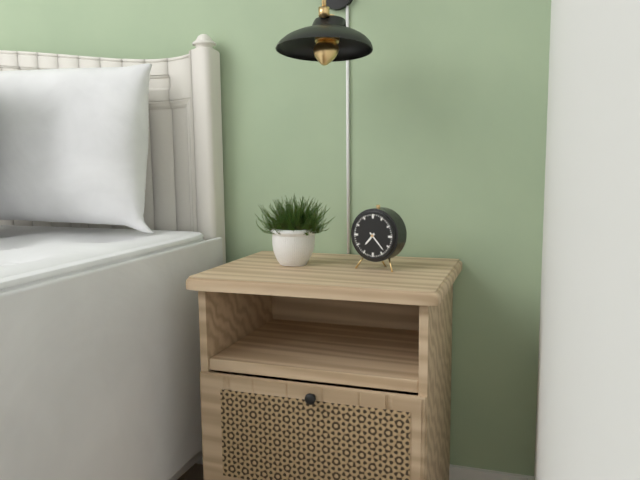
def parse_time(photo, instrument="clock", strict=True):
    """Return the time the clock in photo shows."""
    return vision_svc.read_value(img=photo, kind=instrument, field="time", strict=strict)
7:23
